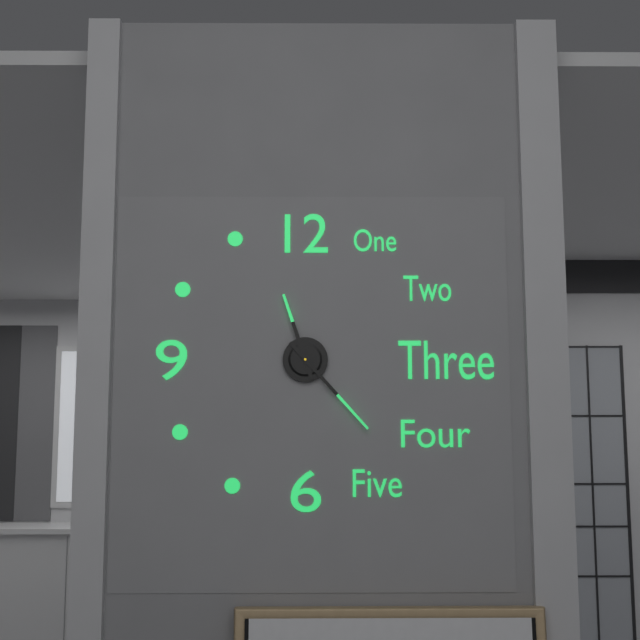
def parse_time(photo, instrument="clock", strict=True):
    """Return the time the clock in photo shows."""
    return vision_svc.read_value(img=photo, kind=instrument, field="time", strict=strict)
11:23
